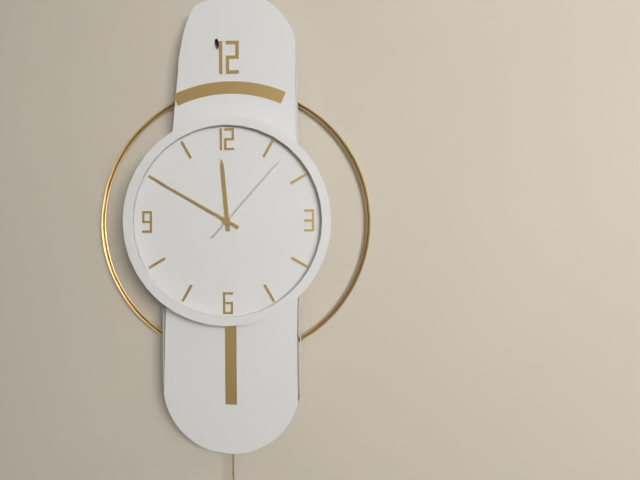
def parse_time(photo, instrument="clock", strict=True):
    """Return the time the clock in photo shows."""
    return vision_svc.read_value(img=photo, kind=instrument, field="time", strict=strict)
11:50:07
